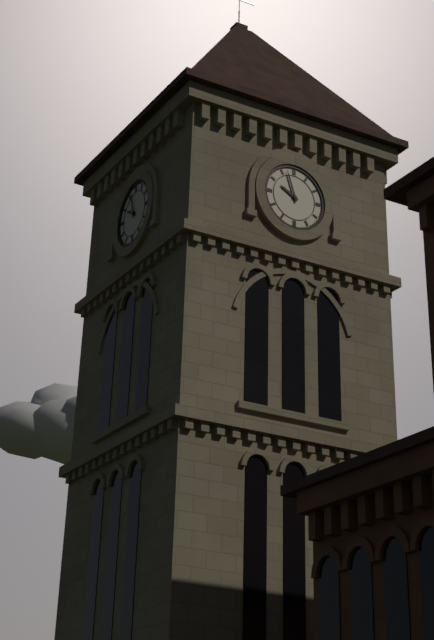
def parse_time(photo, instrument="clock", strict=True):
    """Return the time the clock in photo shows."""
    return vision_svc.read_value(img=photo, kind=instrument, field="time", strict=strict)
9:57
